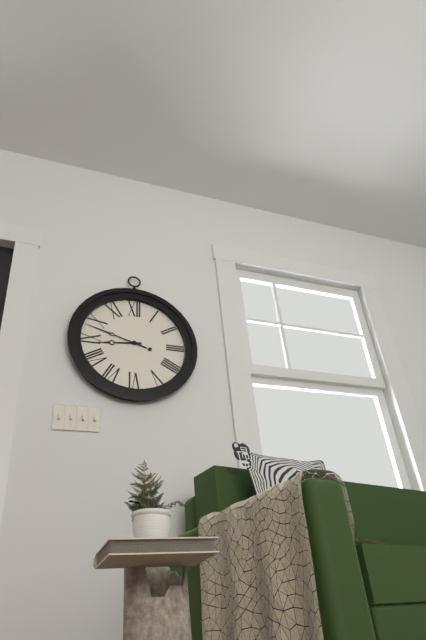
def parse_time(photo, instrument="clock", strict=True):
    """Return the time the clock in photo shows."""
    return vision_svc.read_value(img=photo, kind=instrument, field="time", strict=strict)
8:48
